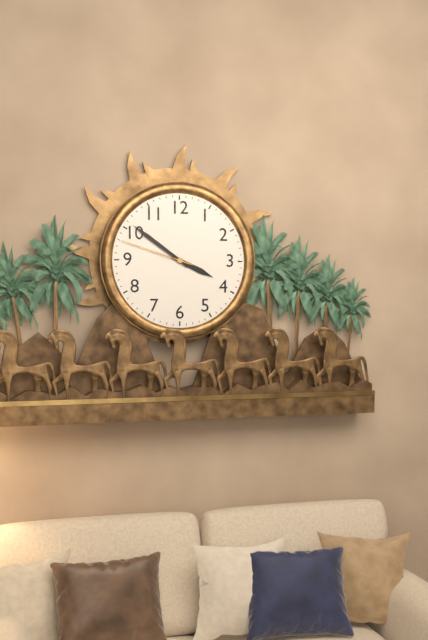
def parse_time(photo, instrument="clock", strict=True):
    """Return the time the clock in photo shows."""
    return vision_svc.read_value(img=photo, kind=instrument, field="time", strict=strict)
3:51:48
